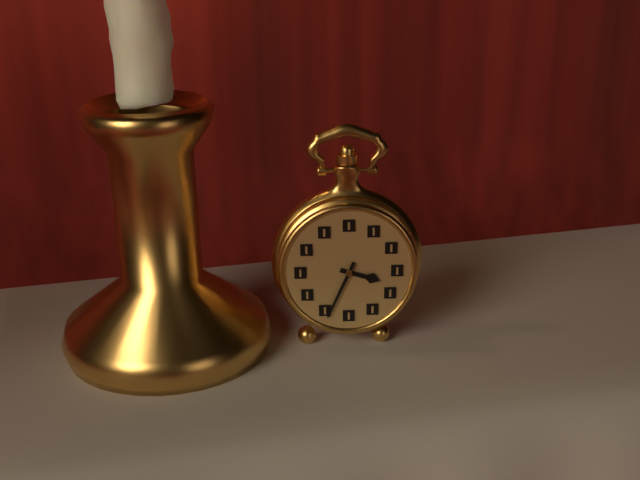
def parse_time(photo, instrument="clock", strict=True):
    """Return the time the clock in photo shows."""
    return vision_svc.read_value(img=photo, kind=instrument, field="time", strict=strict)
3:34
